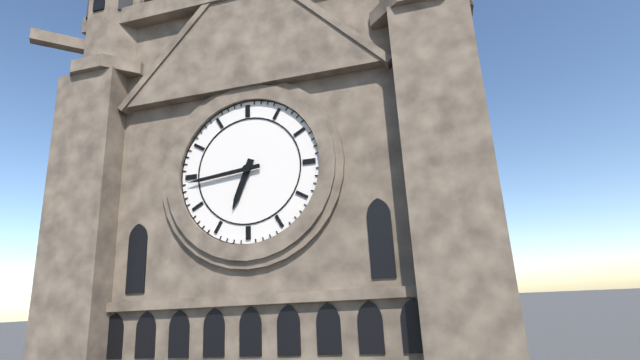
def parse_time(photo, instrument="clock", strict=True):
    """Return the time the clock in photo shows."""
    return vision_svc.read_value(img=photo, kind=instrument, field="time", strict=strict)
6:44
